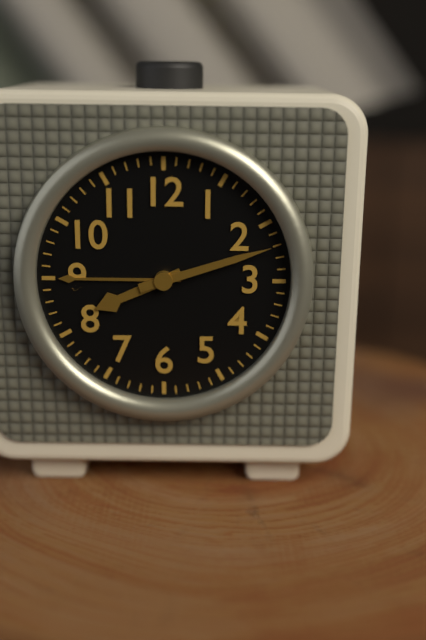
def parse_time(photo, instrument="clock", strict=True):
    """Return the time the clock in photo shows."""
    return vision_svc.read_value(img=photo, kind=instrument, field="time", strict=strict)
8:12
